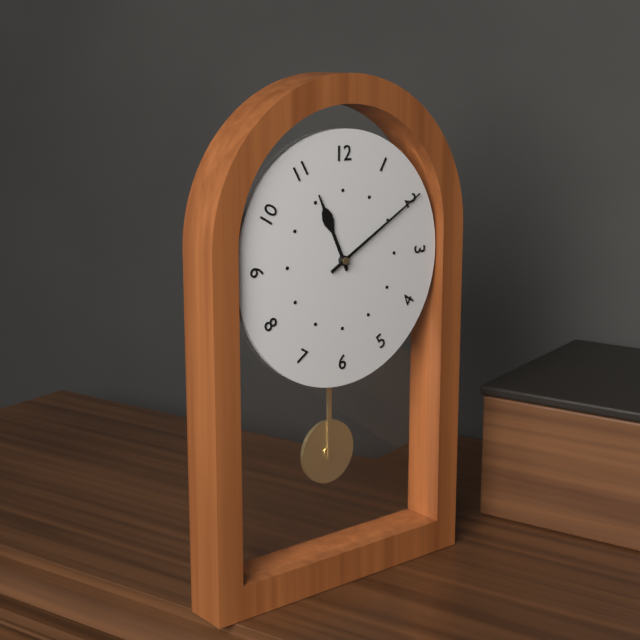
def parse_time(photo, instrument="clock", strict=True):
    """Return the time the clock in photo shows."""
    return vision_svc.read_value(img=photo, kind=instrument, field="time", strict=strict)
11:10
